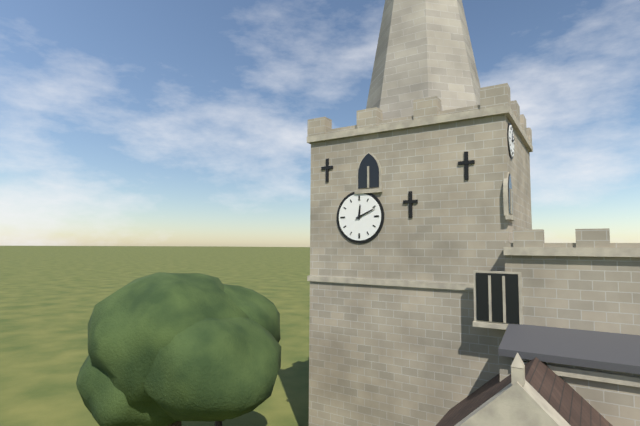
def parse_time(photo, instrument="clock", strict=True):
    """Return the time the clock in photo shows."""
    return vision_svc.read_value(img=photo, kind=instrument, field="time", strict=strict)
12:11
